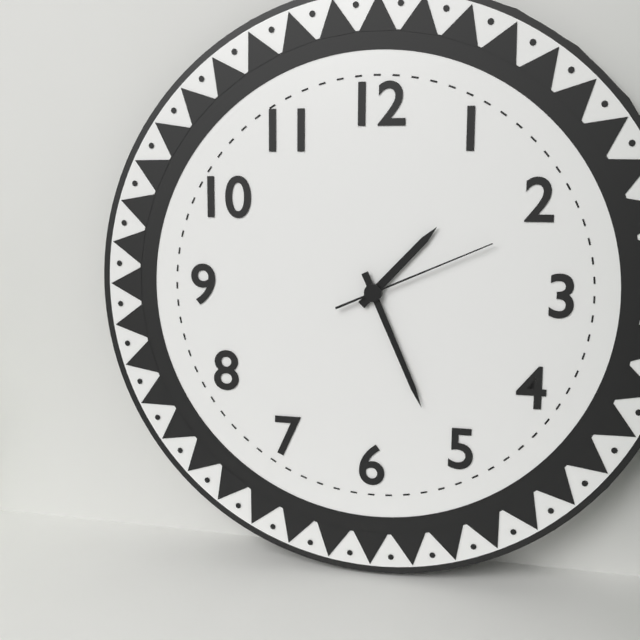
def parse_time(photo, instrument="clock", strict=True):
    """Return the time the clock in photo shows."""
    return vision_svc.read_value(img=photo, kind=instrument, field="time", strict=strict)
1:26:11
